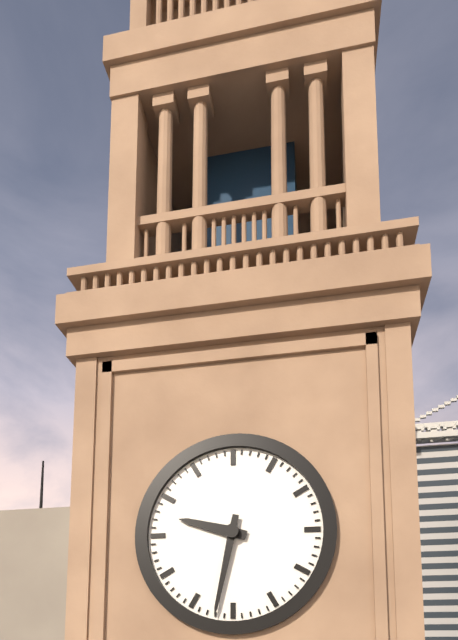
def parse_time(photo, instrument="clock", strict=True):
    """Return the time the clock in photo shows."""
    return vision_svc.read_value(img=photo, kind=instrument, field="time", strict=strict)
9:32
